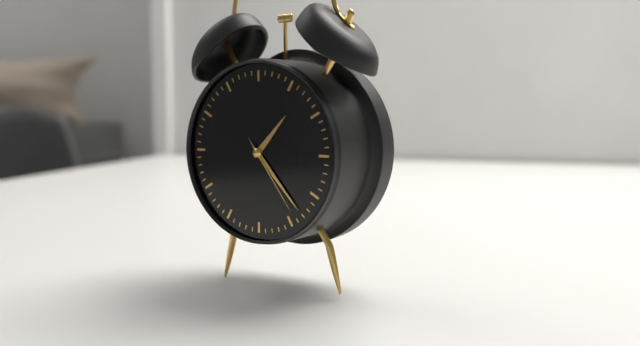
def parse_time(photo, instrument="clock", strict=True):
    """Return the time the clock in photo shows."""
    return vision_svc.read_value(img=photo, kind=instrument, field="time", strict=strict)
1:23:24
